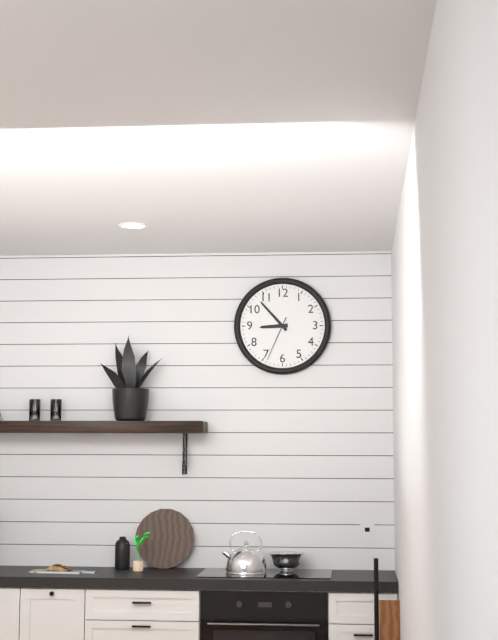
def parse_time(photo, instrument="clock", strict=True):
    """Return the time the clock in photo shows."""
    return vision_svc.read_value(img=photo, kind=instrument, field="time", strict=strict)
8:53
